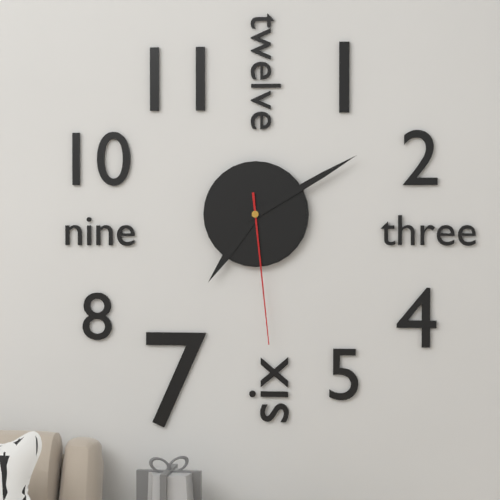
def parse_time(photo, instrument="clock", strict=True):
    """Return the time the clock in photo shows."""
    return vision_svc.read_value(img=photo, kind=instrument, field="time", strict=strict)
7:10:29
